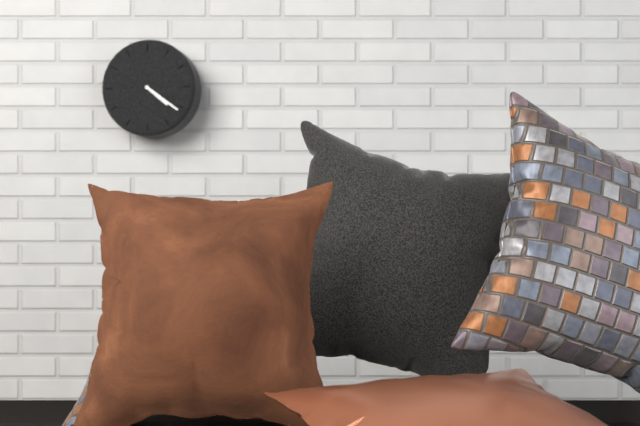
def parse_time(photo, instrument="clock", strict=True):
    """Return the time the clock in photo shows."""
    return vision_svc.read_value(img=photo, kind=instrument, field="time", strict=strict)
4:21
